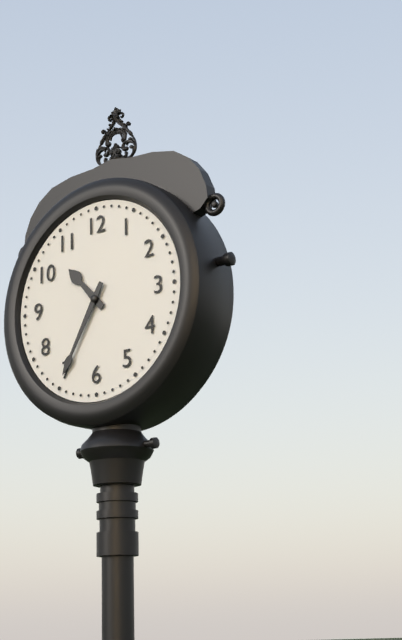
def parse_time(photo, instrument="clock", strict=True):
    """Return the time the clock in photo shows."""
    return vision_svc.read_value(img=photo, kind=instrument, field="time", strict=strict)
10:35
